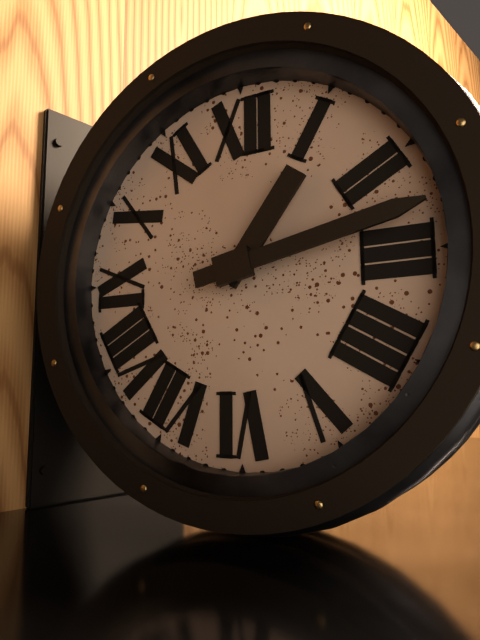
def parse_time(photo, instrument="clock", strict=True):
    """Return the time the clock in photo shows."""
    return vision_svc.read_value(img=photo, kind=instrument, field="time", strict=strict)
1:13
